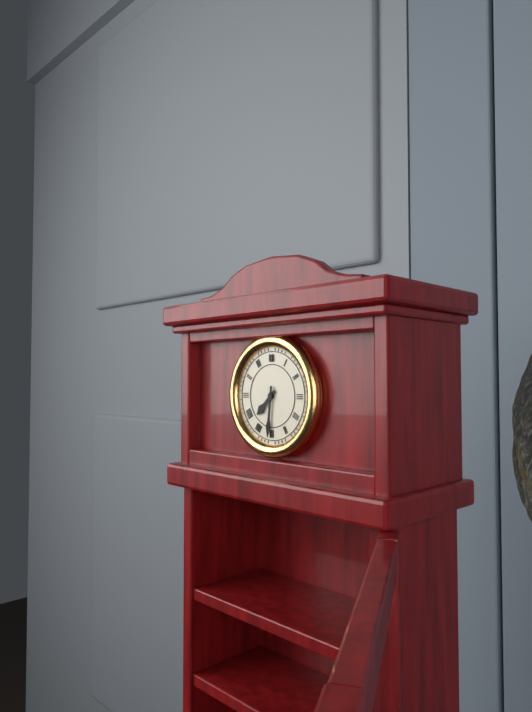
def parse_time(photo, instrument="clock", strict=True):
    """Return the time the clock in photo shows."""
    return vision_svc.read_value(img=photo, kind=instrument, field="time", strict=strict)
7:31
